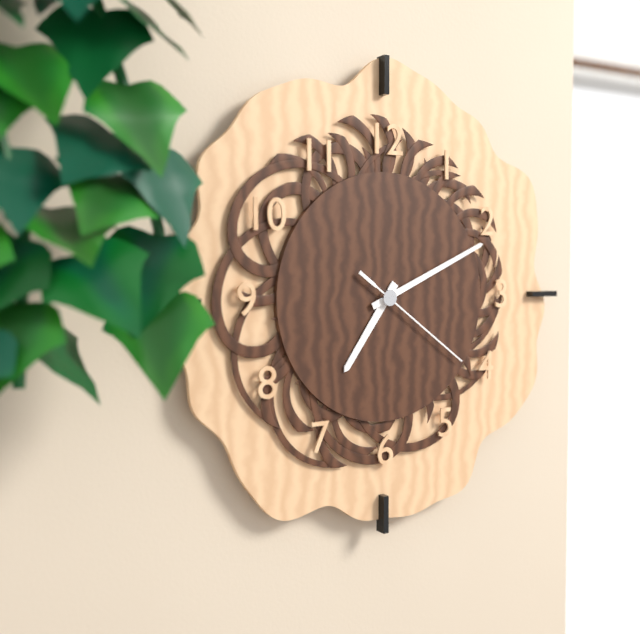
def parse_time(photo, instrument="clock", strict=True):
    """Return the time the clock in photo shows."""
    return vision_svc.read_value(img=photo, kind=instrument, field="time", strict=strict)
7:11:21
